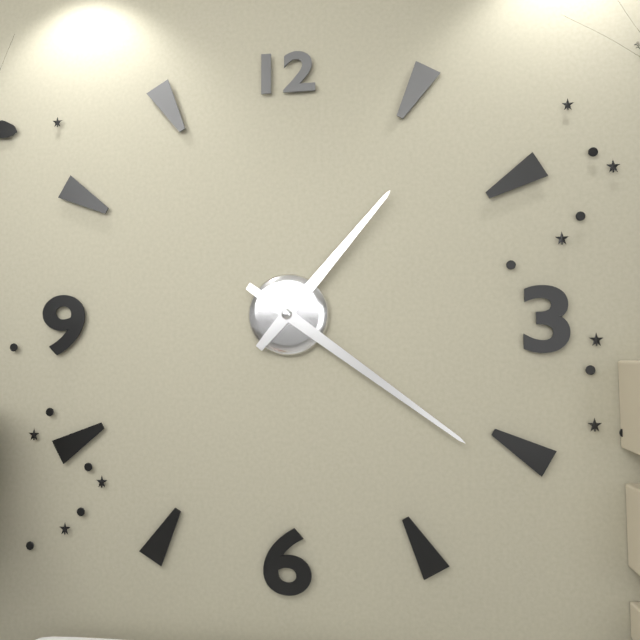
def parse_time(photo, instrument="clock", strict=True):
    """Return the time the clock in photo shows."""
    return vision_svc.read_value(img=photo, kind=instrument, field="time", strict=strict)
1:21
